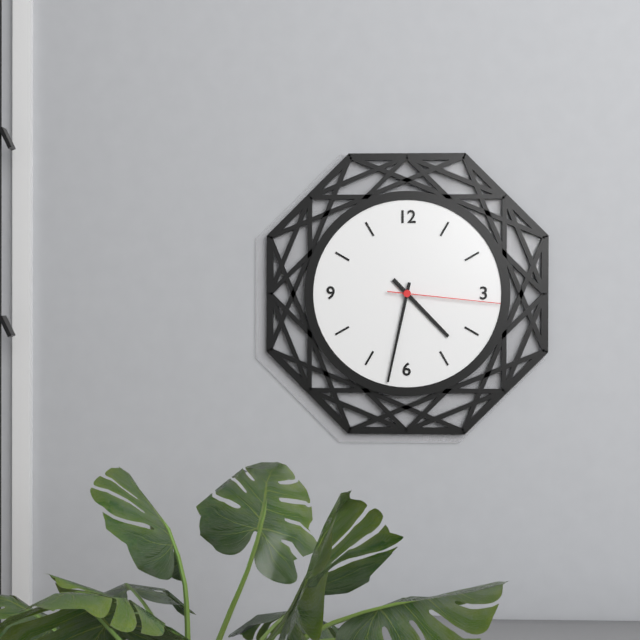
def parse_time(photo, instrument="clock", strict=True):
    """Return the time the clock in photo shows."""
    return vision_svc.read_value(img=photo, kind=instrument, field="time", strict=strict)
4:32:16
